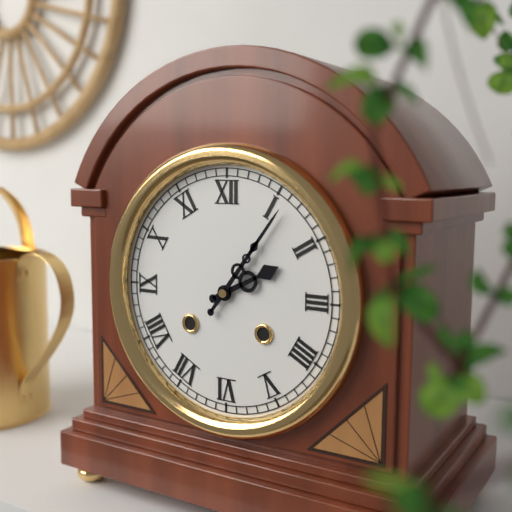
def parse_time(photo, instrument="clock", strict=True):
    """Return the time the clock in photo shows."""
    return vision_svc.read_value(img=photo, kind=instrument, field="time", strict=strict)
2:06
